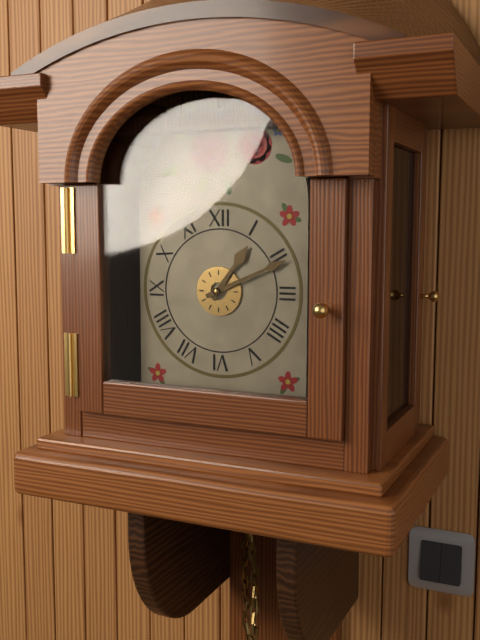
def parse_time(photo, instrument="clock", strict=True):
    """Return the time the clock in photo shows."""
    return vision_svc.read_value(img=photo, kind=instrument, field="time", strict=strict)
1:11
